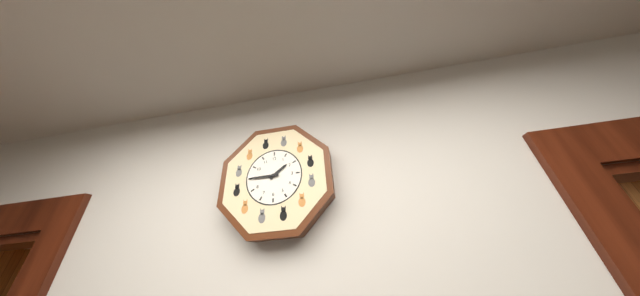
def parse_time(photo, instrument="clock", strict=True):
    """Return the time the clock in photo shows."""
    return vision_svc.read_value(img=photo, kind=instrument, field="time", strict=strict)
1:45
